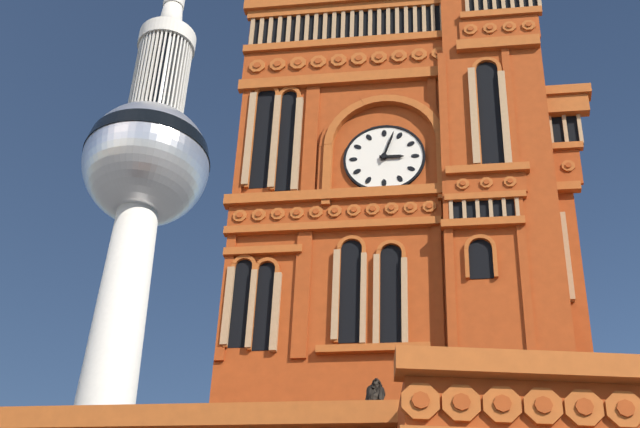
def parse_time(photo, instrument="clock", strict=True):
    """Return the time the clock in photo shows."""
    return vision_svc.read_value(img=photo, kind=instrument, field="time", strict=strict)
3:03
